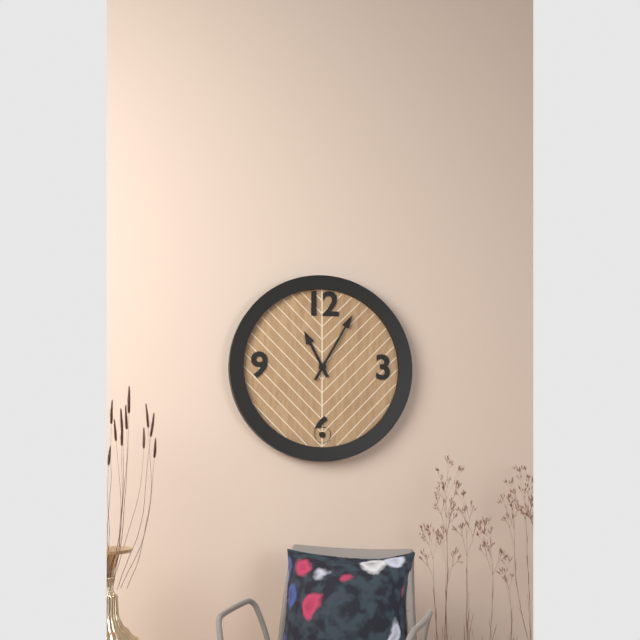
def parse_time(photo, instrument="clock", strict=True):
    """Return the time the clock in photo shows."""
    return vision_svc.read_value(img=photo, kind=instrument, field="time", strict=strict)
11:05
